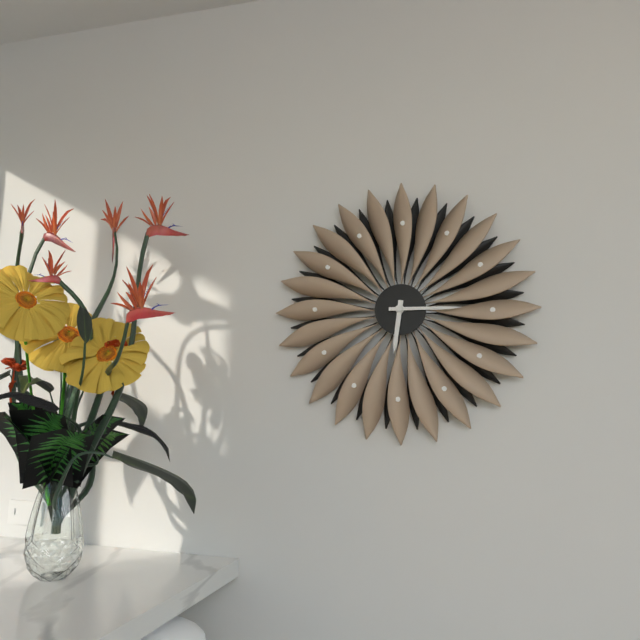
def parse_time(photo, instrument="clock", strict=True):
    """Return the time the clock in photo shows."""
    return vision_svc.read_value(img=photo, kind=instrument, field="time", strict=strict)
6:15
